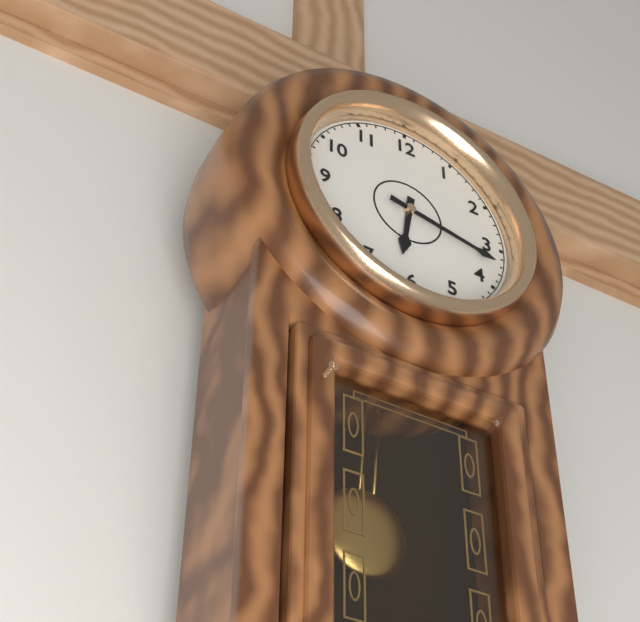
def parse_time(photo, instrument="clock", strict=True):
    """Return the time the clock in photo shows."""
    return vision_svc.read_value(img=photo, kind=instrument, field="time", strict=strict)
6:17
